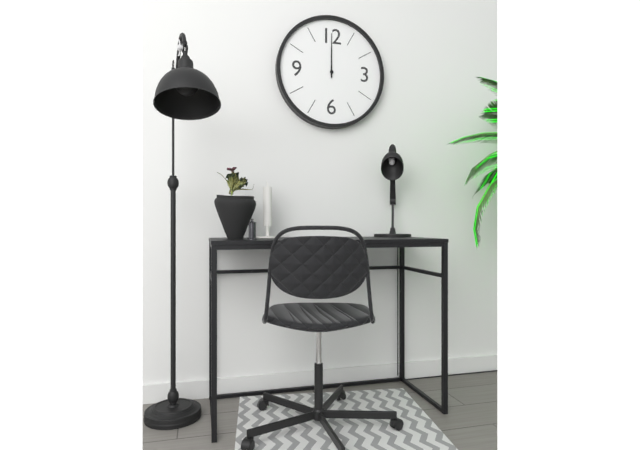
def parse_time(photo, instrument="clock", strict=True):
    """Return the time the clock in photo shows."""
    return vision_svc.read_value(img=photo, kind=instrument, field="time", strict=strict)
12:00
